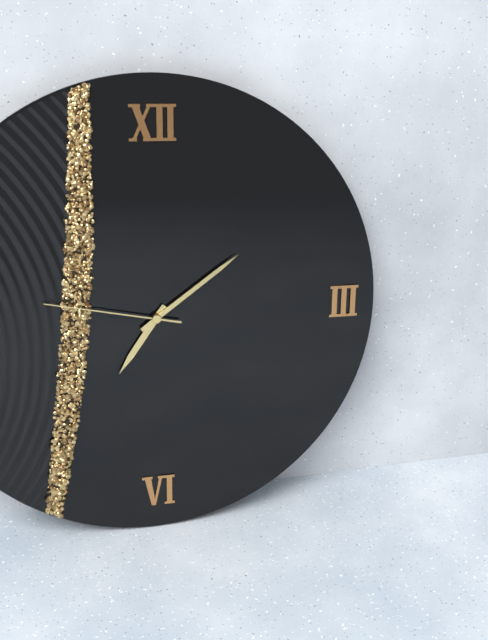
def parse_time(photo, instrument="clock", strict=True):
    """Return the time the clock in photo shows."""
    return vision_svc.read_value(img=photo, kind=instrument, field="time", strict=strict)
7:09:47
